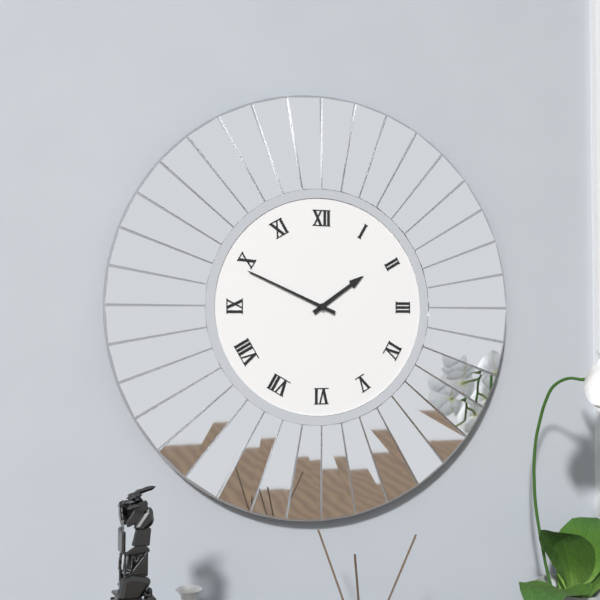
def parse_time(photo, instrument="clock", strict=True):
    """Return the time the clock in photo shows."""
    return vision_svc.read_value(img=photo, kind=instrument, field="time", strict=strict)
1:49
